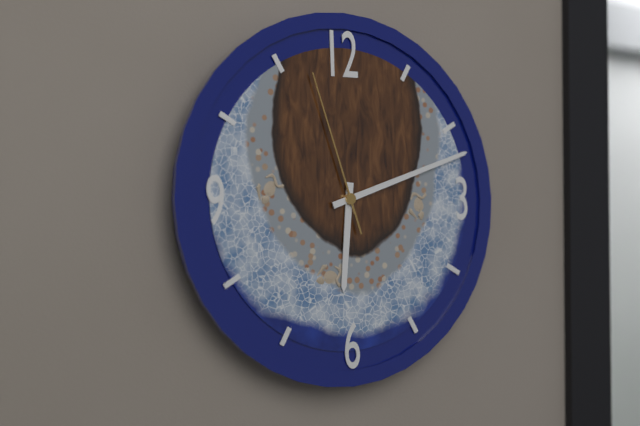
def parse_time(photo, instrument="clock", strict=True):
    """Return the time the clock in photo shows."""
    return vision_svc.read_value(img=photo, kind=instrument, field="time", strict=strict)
6:12:57
